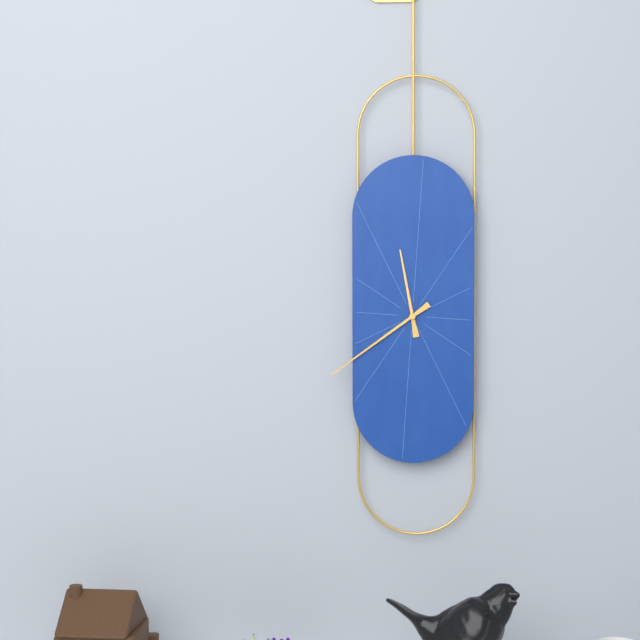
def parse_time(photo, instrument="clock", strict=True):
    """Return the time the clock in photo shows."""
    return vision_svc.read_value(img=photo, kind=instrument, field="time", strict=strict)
11:39
